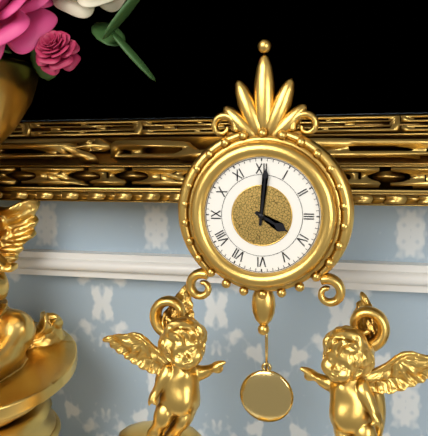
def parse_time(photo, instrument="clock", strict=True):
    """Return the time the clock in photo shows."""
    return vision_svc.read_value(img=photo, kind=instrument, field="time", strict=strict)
4:01
